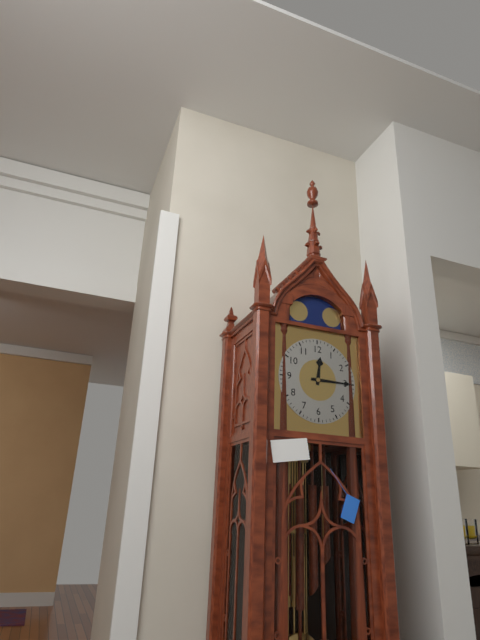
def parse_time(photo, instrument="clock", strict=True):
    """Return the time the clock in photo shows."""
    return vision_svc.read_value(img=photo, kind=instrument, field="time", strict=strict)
12:15
